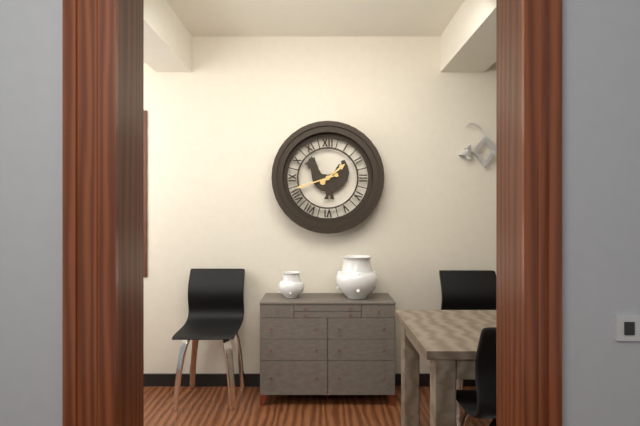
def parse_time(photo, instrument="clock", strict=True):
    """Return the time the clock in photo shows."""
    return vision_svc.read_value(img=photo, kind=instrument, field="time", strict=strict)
1:42
